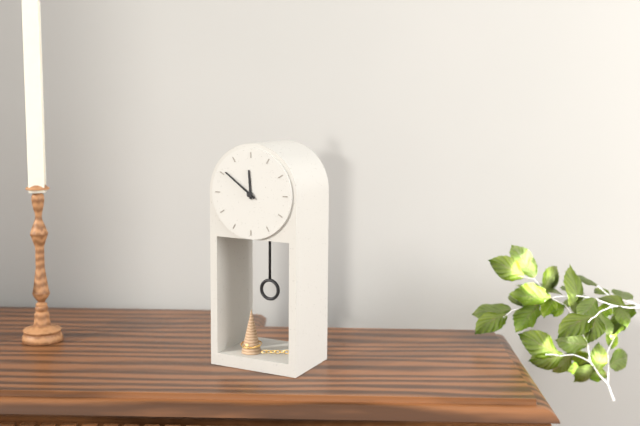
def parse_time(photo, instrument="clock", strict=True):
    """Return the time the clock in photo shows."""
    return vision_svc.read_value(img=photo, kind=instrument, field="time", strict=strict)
11:51
